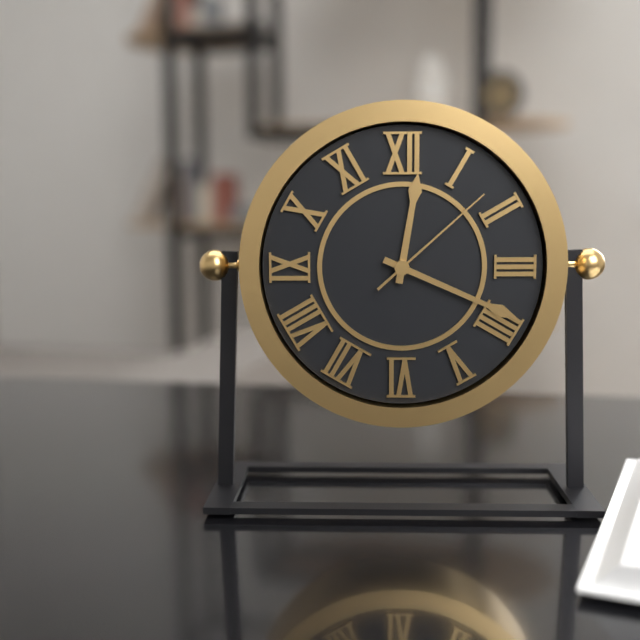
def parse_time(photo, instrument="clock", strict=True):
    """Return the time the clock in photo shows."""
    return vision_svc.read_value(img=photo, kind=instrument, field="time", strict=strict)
12:19:08
